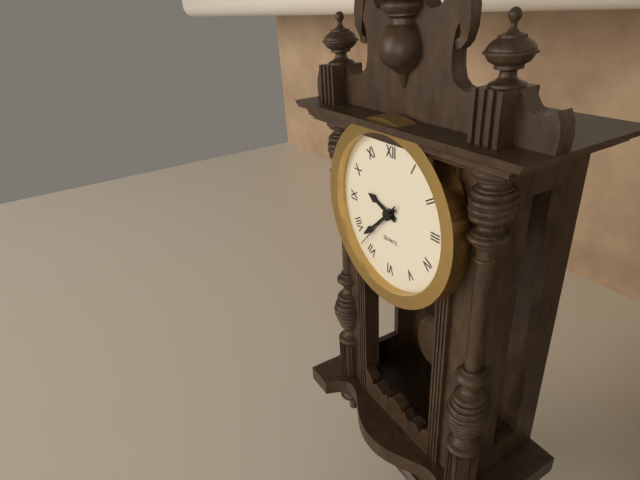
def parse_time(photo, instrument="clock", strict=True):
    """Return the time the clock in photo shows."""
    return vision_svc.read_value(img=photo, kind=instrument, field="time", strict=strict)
9:38:37
